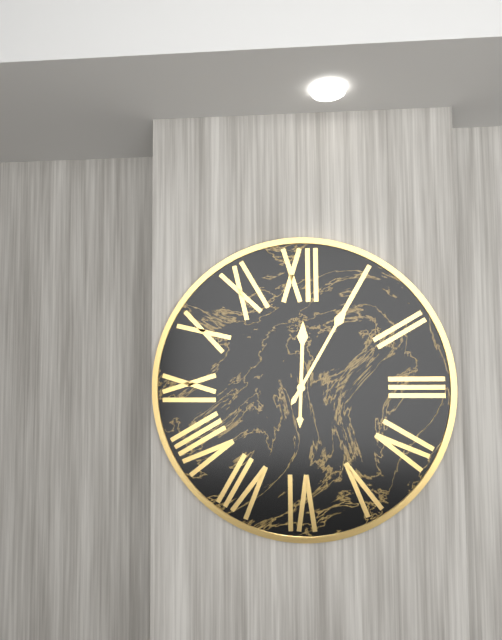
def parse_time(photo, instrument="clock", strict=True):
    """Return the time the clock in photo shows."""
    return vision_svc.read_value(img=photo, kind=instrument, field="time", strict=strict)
12:05
